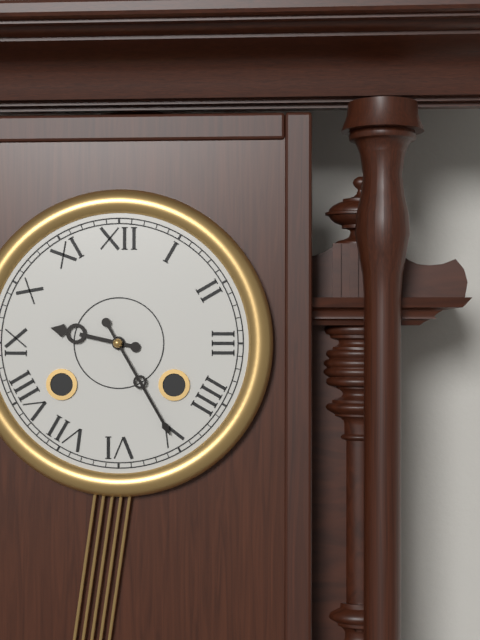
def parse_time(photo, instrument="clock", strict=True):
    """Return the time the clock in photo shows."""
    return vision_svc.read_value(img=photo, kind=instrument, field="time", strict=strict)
9:25
